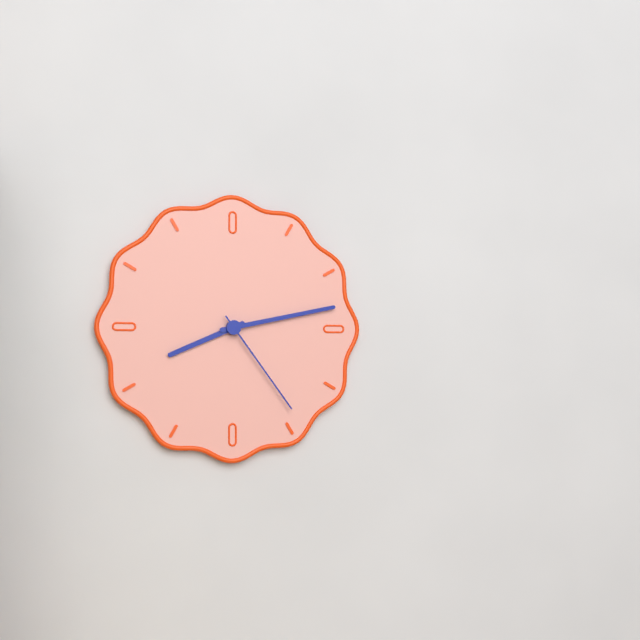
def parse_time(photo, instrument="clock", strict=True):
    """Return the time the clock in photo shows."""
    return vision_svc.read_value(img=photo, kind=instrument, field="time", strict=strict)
8:13:24
